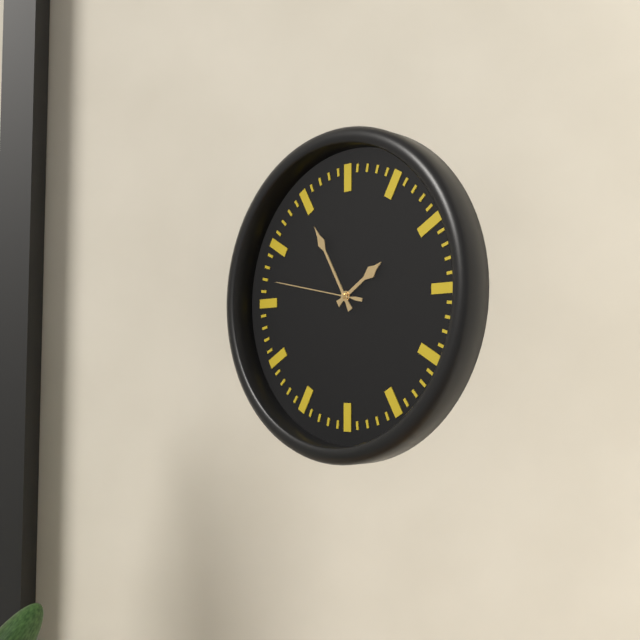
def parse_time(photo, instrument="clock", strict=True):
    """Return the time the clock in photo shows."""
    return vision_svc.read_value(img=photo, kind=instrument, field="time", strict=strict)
1:55:47
